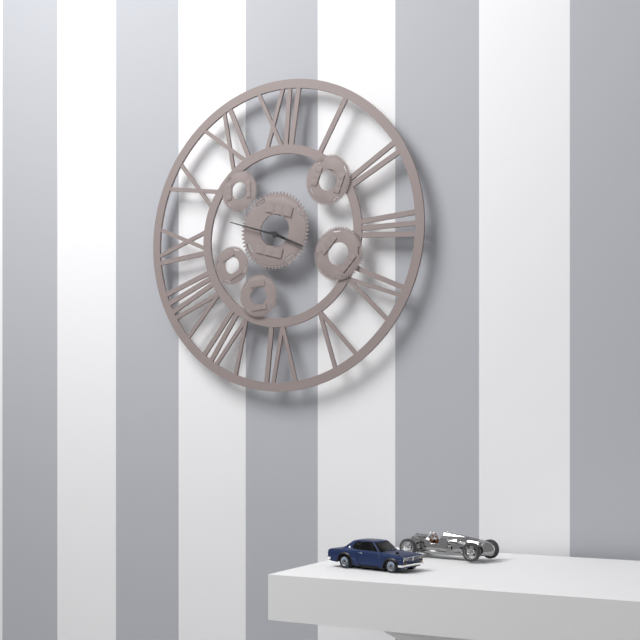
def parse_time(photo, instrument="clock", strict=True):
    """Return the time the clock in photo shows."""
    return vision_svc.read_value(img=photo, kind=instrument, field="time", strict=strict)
3:48
